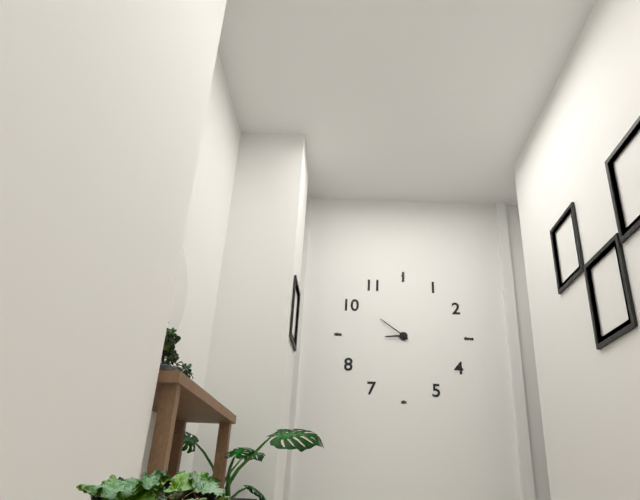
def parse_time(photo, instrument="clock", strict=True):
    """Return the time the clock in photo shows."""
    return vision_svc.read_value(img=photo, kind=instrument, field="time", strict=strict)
8:51
